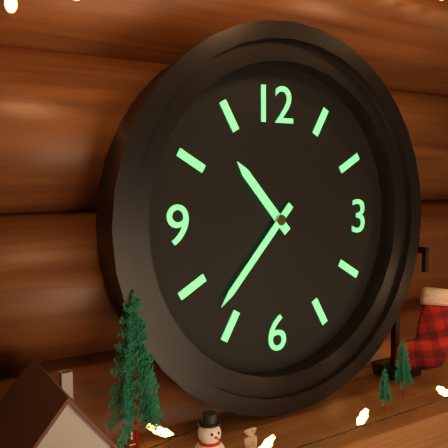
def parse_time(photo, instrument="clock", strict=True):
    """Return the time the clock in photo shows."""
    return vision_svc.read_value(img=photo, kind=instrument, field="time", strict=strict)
10:37
